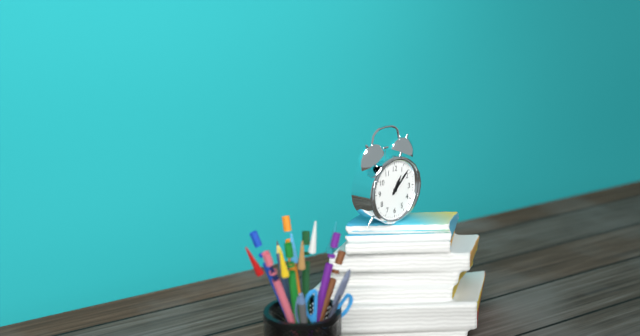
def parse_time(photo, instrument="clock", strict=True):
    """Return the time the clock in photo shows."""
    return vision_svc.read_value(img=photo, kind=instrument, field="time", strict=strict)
1:08
